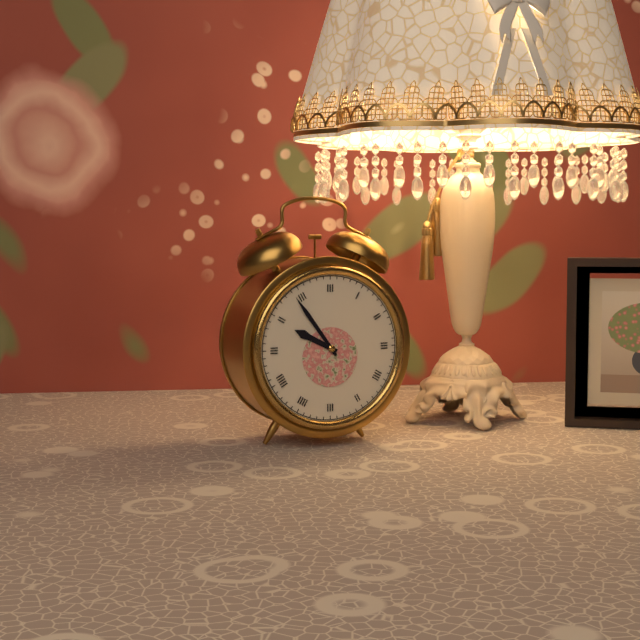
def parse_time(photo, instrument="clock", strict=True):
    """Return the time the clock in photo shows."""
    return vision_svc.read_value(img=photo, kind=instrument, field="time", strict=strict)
9:54
